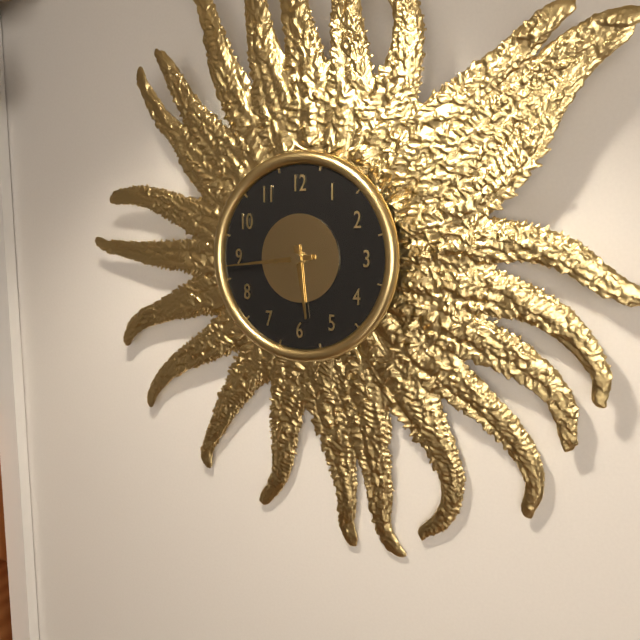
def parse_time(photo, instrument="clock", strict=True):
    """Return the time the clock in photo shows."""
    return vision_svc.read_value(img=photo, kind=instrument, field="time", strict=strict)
5:44
